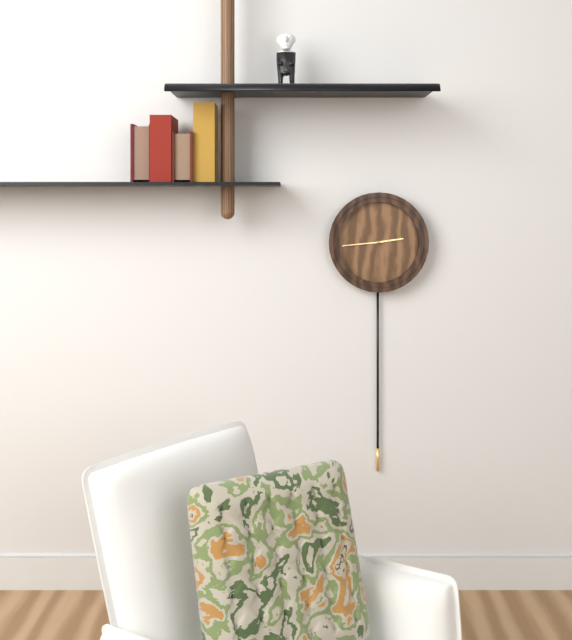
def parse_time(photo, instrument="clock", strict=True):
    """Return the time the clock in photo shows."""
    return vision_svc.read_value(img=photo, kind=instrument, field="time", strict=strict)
2:44
